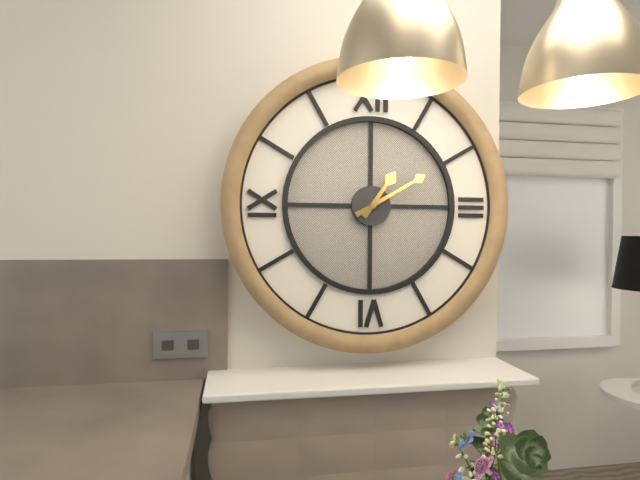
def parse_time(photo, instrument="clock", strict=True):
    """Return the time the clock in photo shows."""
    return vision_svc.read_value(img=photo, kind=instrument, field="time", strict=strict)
1:10
